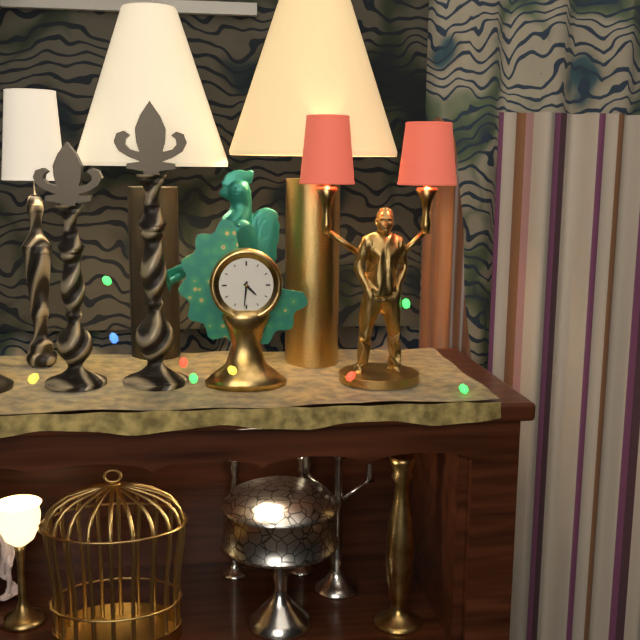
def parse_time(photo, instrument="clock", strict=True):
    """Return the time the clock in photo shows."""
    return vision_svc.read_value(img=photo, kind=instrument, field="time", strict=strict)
4:31
